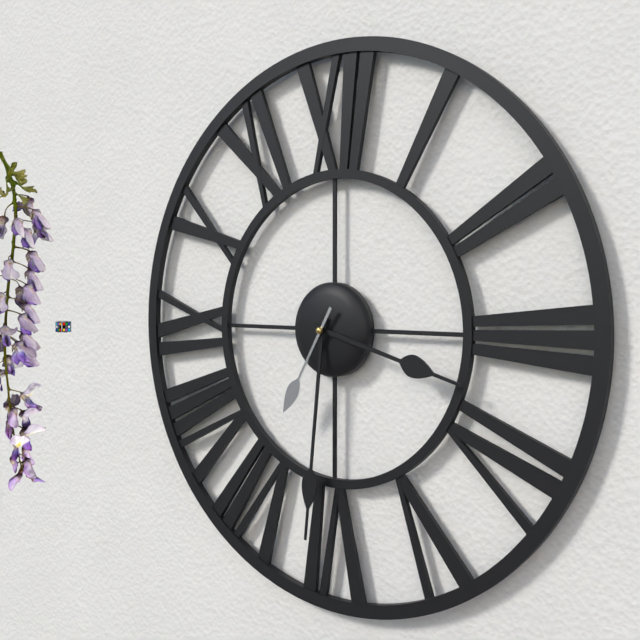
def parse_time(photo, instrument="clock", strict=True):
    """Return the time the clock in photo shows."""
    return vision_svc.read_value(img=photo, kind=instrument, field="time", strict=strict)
3:31:35
